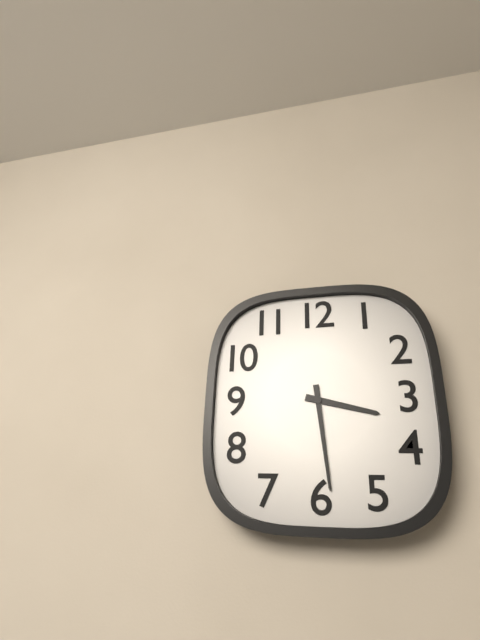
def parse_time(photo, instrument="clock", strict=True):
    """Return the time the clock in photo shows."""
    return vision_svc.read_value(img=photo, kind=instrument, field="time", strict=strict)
3:29
